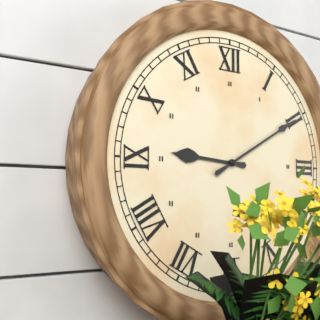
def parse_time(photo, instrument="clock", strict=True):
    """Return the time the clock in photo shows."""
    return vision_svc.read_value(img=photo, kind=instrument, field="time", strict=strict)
9:10
